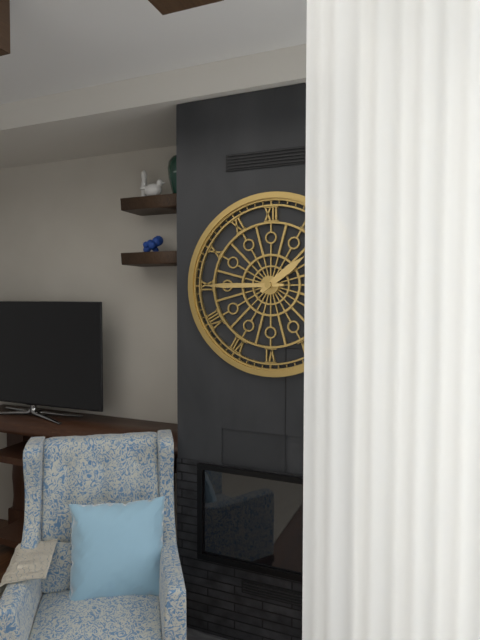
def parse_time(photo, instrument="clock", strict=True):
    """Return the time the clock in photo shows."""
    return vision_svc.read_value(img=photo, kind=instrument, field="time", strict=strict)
1:45
